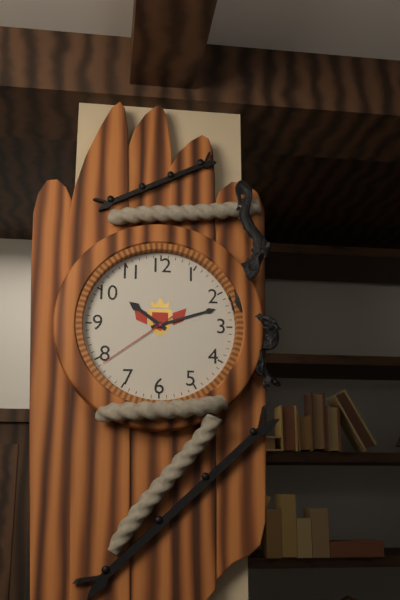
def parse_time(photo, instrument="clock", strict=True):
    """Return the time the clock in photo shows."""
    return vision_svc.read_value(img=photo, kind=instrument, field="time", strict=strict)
10:12:39
